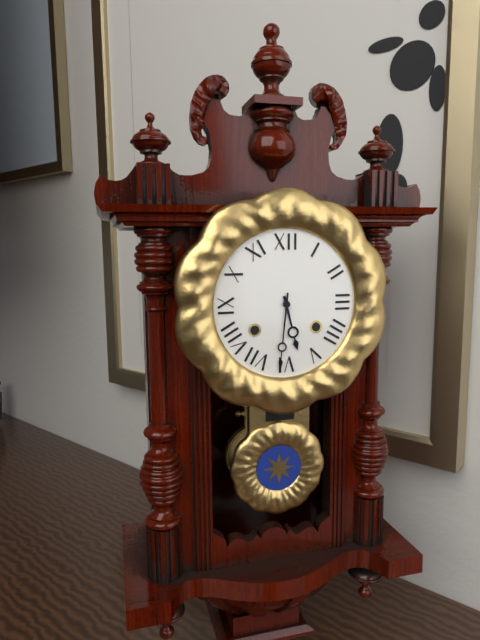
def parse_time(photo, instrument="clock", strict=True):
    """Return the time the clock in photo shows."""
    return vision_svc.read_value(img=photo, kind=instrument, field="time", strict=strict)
5:31
